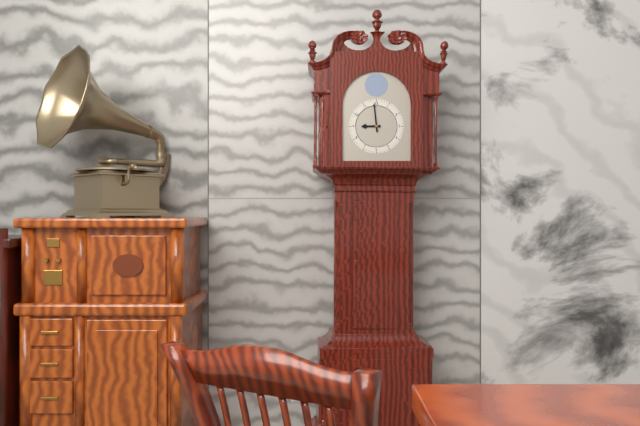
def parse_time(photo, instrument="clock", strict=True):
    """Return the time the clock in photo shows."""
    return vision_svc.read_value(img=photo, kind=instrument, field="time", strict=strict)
8:59
